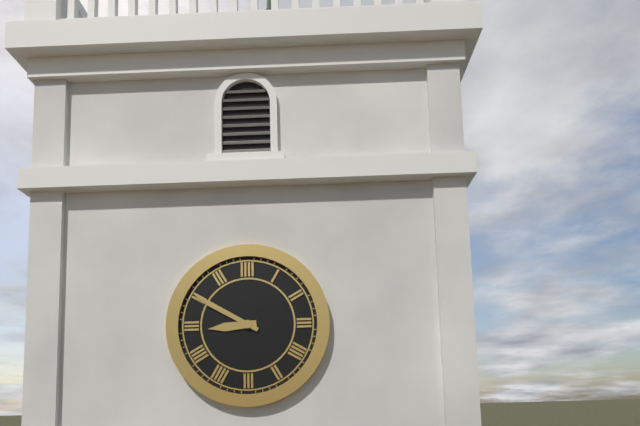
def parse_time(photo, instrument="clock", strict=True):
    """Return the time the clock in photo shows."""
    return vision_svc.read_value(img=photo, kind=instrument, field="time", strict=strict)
8:50
